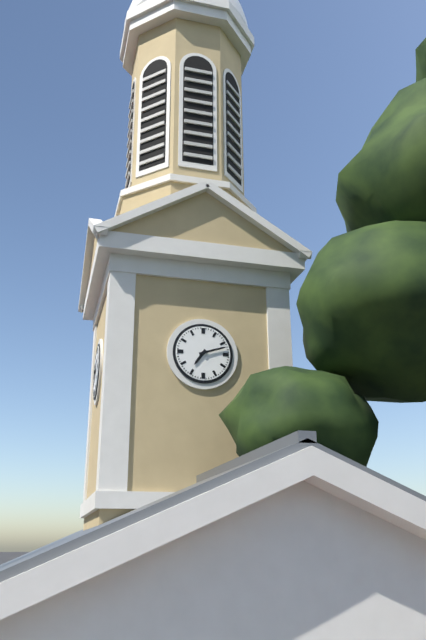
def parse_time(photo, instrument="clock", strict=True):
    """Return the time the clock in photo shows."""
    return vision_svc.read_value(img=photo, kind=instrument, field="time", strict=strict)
7:12
